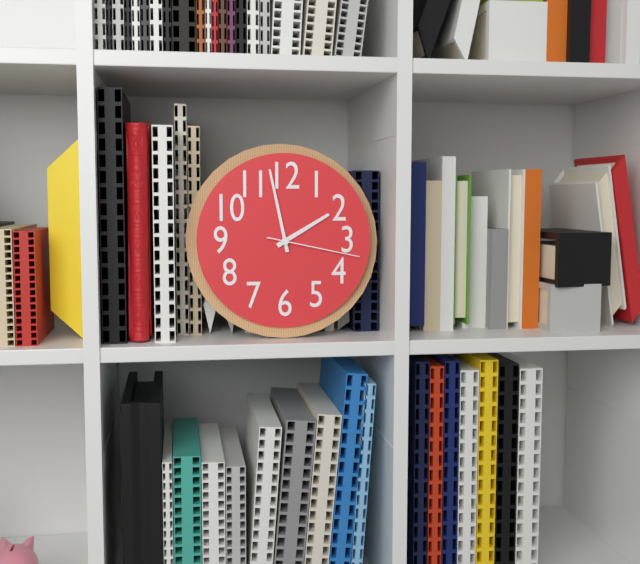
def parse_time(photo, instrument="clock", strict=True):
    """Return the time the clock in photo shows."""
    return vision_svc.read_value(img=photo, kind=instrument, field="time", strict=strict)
1:58:17
